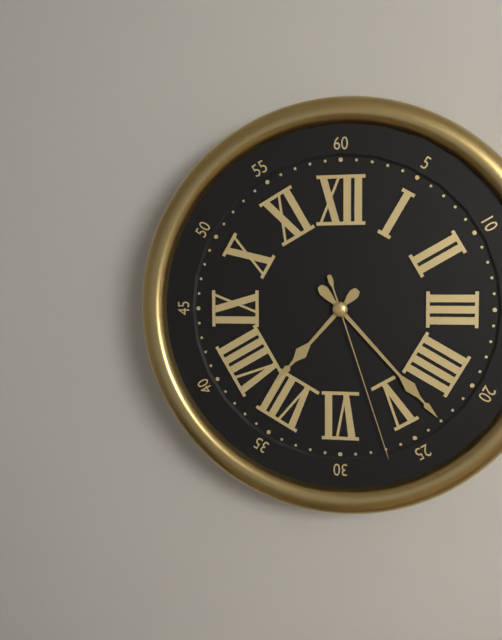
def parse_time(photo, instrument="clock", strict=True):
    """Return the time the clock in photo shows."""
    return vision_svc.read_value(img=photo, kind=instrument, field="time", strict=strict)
7:23:27
